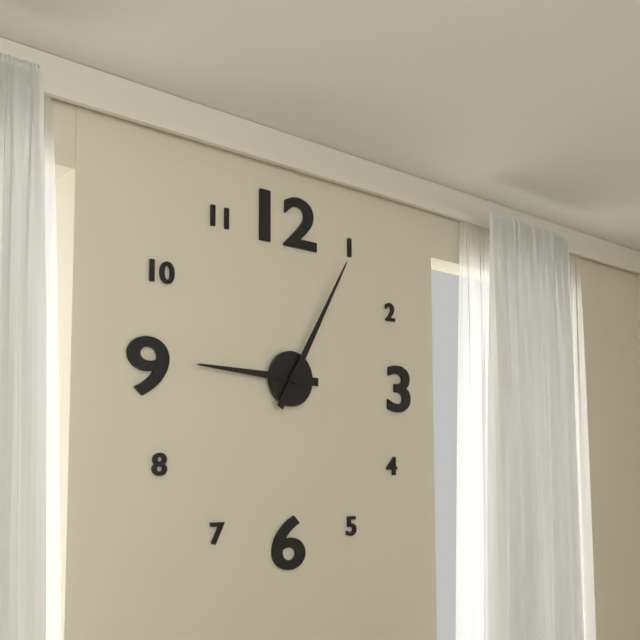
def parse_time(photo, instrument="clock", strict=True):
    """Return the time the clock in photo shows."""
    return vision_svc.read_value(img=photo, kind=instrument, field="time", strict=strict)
9:05
